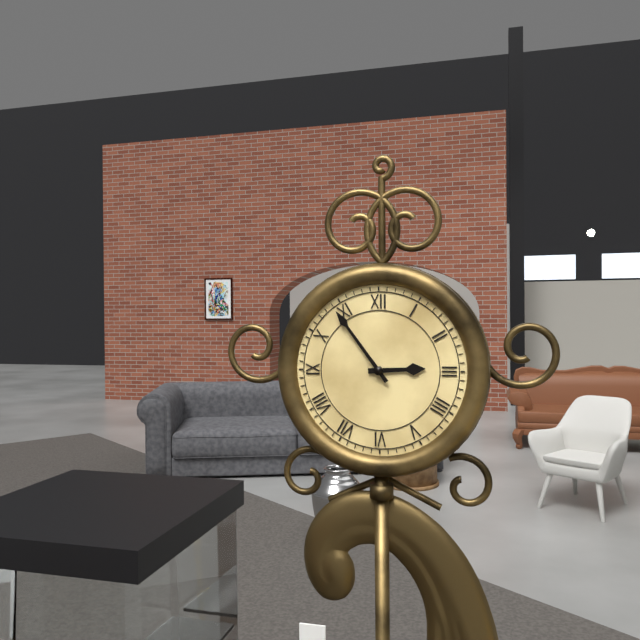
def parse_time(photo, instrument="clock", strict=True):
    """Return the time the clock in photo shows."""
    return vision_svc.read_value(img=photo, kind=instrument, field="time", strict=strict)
2:54
